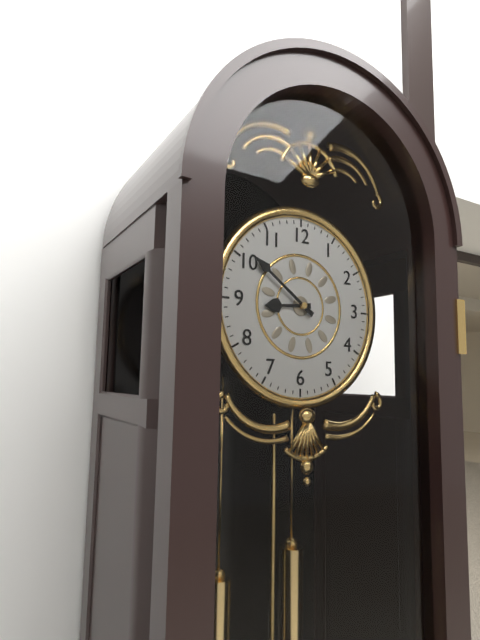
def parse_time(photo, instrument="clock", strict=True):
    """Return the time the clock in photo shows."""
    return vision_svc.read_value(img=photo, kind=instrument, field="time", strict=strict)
8:51
